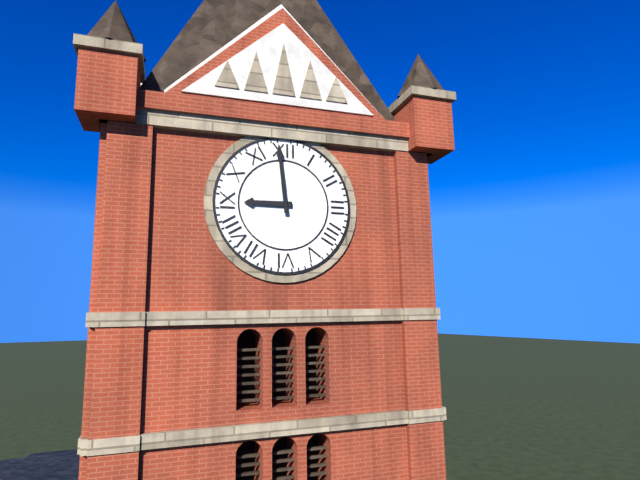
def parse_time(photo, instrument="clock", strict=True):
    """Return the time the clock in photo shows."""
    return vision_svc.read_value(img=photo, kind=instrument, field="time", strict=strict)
8:59
